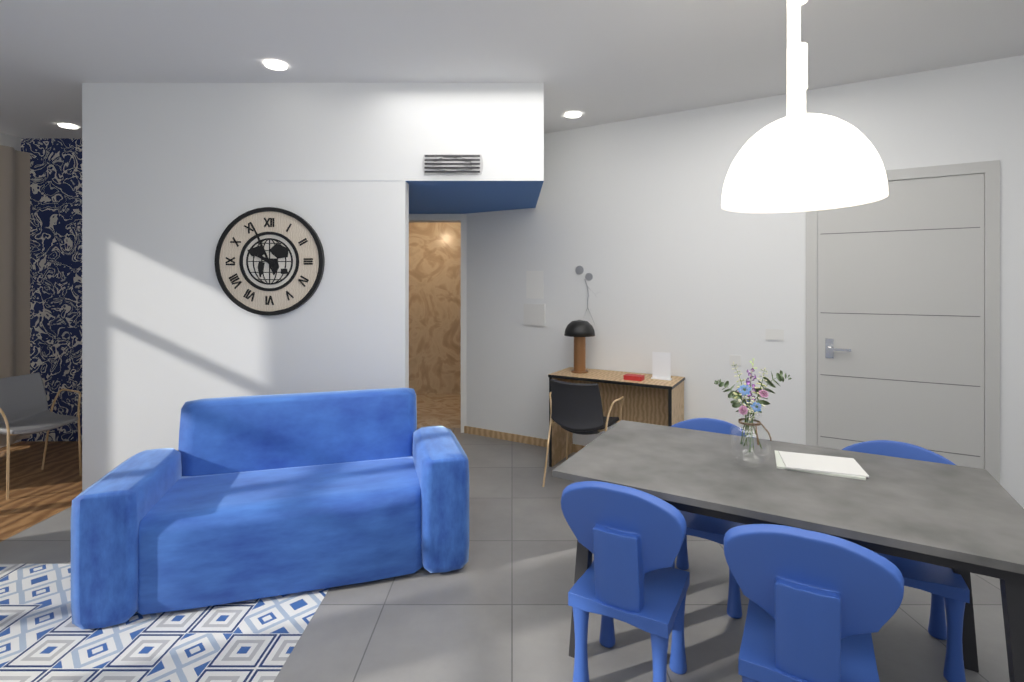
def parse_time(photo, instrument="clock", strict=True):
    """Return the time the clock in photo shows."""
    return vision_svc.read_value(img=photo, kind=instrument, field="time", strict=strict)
9:56
